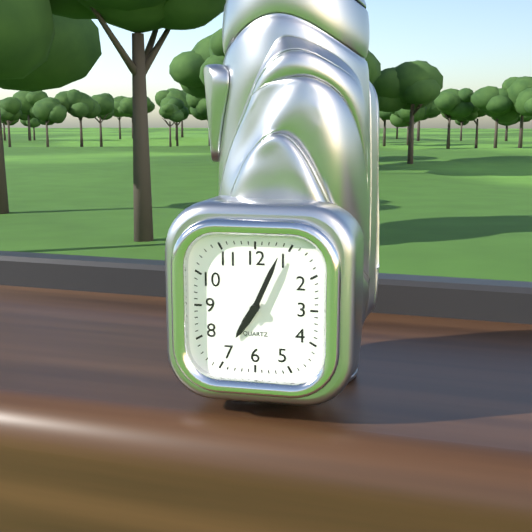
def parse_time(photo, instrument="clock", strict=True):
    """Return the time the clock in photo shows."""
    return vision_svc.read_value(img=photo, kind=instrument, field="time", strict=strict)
7:04
